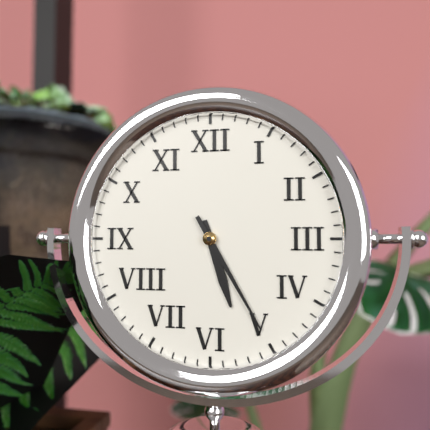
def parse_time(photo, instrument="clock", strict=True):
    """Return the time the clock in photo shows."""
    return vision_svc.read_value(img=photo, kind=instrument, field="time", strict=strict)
5:25
